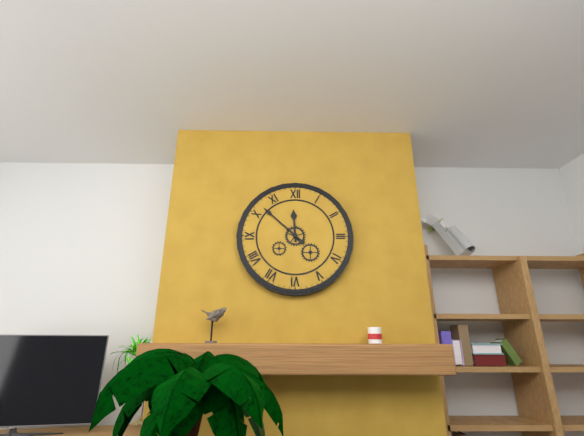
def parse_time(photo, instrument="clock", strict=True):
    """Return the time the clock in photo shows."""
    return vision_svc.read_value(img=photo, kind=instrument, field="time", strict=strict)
11:52
